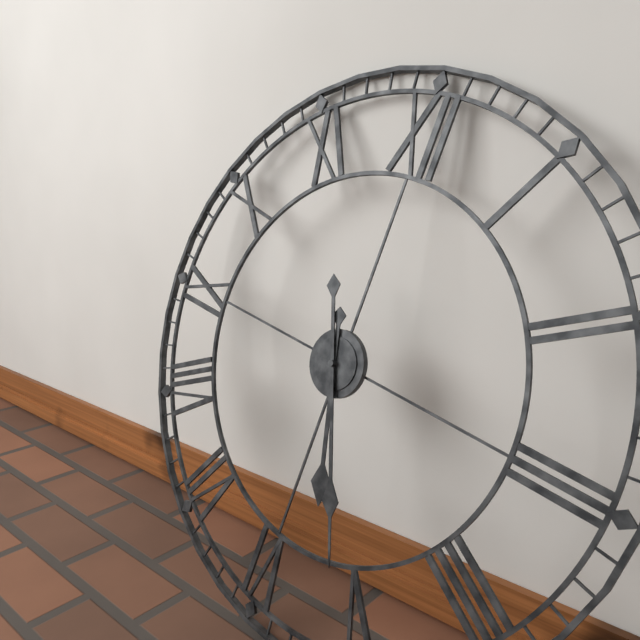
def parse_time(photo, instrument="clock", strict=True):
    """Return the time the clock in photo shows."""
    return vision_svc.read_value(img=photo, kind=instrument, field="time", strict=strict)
5:26
